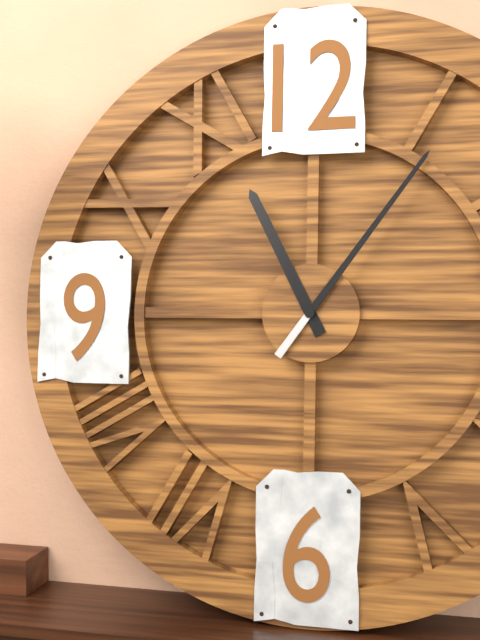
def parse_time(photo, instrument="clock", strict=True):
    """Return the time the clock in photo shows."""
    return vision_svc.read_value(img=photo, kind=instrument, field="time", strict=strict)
11:06
